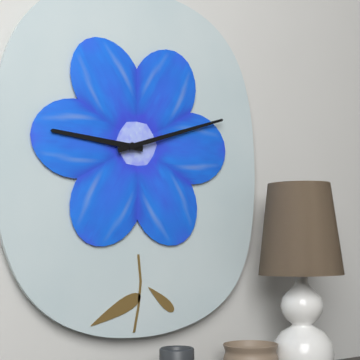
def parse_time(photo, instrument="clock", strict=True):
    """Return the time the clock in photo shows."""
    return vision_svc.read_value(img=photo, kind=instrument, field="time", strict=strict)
9:12
